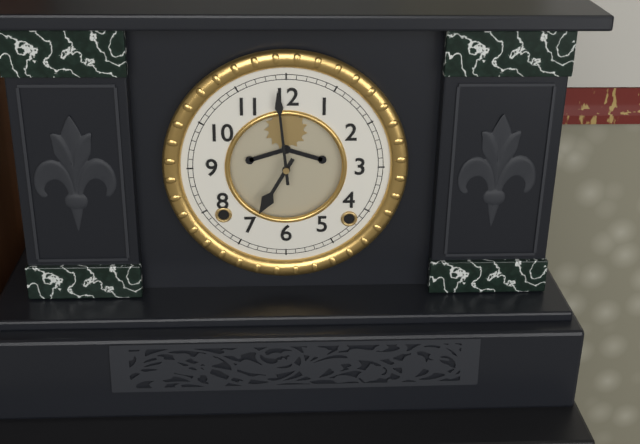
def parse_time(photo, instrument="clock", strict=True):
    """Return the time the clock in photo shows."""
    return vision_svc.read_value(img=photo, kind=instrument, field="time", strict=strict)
6:59
